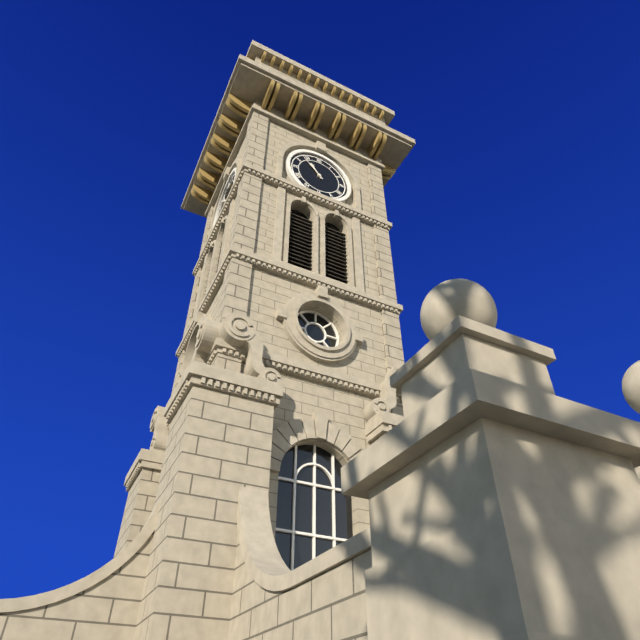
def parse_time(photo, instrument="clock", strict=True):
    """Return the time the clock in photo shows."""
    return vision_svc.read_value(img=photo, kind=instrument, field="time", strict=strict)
10:53
